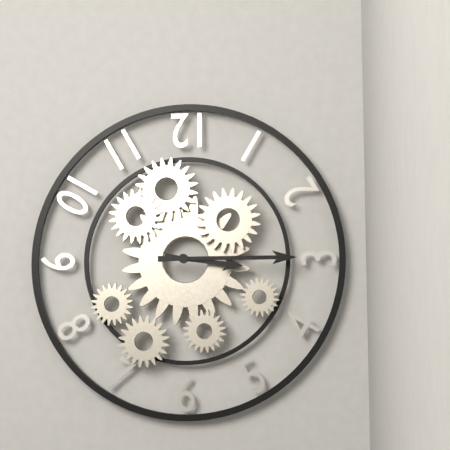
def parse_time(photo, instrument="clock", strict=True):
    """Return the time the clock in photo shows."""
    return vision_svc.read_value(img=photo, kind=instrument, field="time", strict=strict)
3:15
